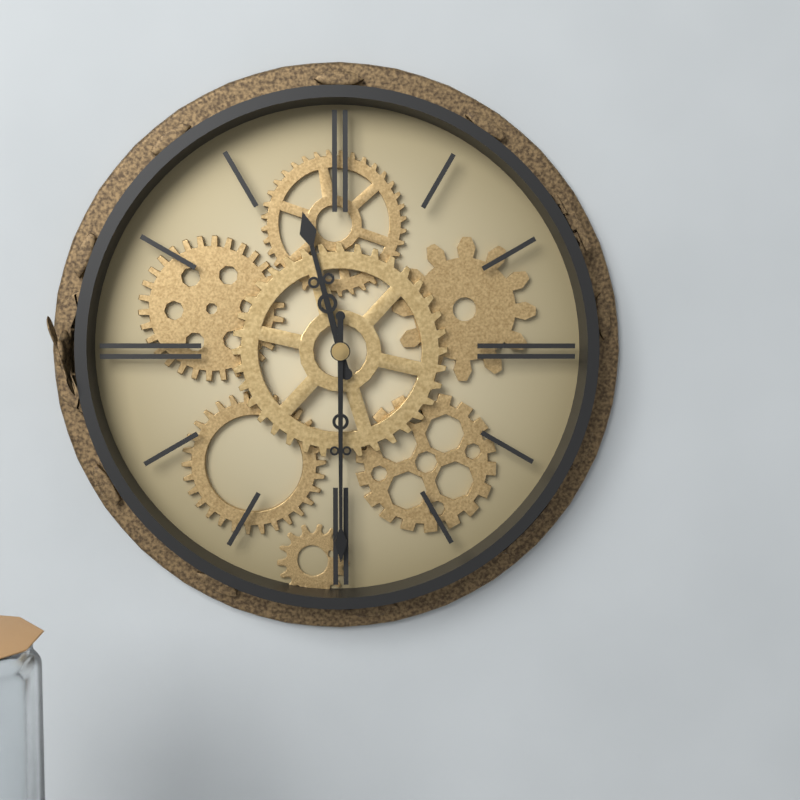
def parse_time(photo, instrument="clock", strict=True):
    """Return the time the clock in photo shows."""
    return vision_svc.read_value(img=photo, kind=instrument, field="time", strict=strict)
11:30
